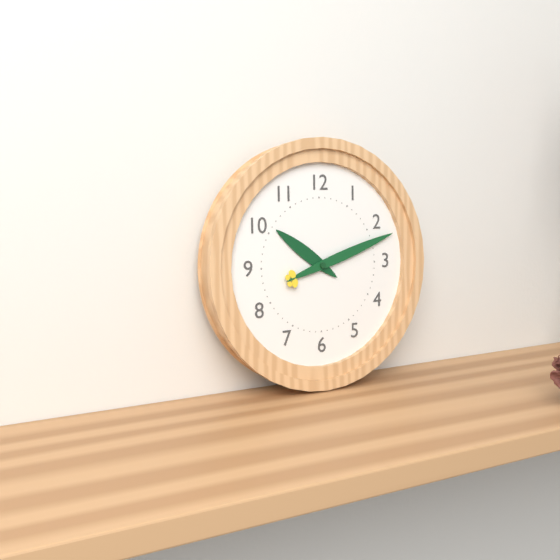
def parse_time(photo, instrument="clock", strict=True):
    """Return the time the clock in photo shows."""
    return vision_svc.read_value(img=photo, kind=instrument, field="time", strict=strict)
10:12
